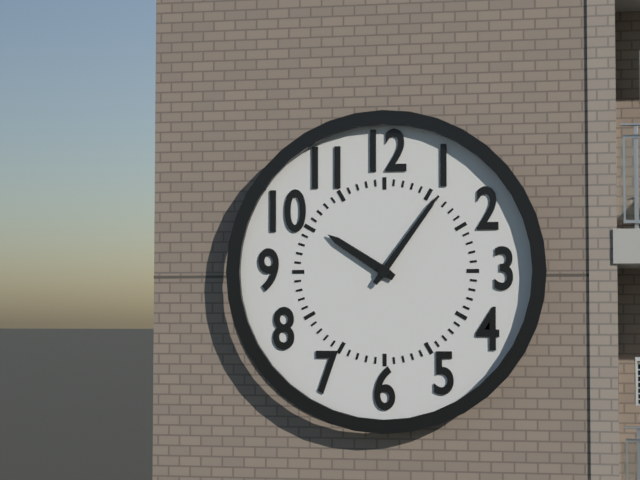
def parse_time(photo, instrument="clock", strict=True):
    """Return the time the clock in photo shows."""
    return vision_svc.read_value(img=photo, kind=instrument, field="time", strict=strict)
10:06
